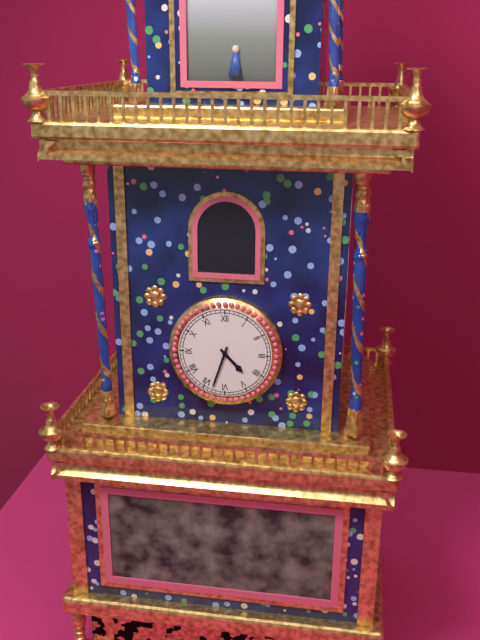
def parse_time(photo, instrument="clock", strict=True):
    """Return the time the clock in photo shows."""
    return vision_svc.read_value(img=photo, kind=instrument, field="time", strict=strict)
4:33
